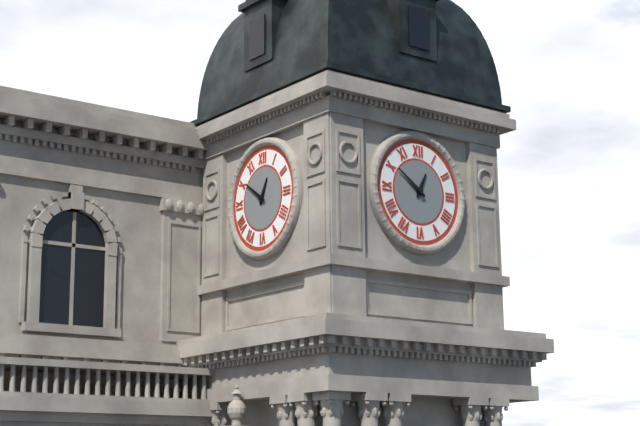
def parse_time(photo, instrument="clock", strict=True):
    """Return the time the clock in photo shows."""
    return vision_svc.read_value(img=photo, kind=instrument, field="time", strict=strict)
12:51
